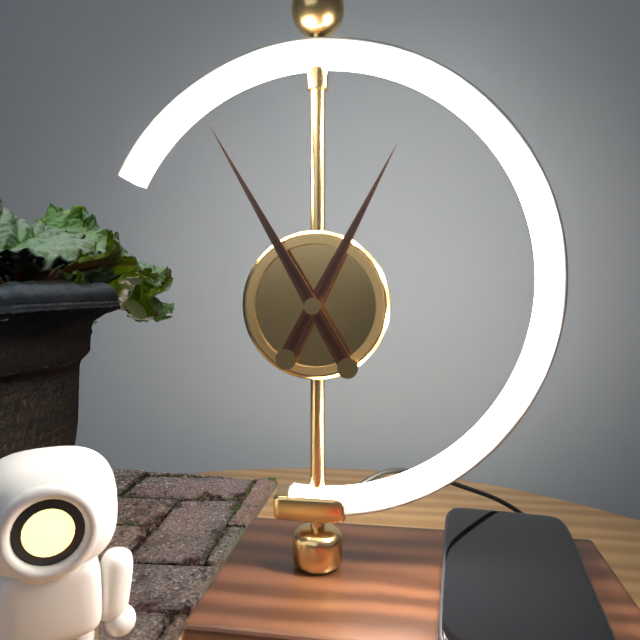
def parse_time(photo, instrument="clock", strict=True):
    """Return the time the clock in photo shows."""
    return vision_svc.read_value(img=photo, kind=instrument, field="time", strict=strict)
12:55
